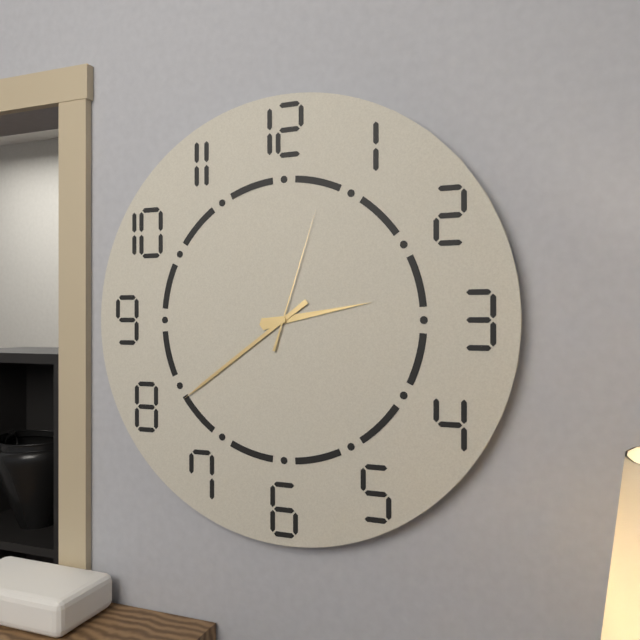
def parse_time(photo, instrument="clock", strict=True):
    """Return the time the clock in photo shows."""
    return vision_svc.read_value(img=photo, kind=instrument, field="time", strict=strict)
2:39:03
